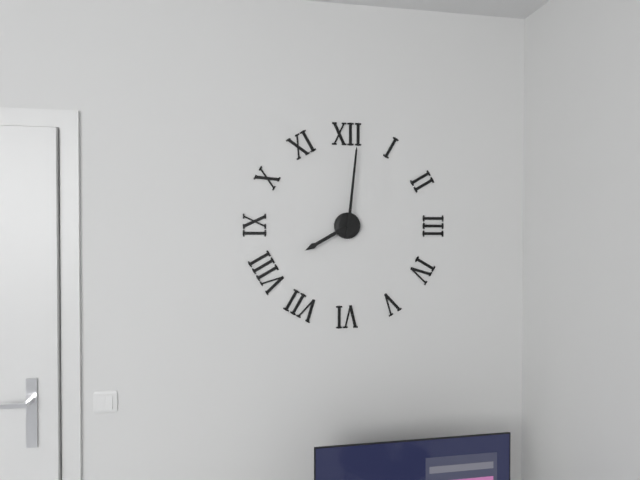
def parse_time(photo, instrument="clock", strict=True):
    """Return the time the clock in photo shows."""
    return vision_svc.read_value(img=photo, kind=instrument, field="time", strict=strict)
8:01
